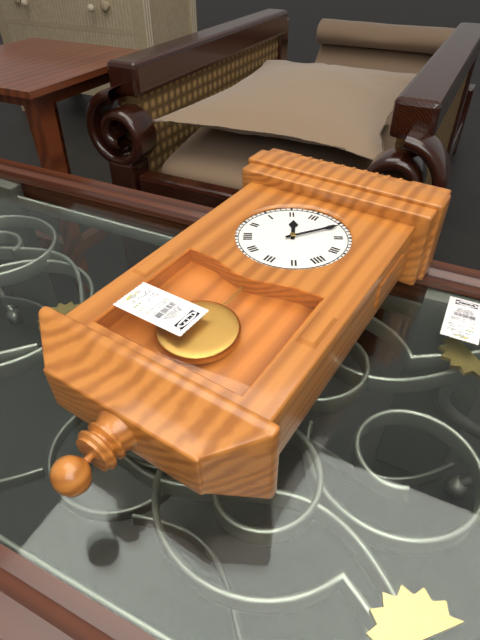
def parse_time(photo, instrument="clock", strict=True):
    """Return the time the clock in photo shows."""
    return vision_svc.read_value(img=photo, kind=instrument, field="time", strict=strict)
11:06
